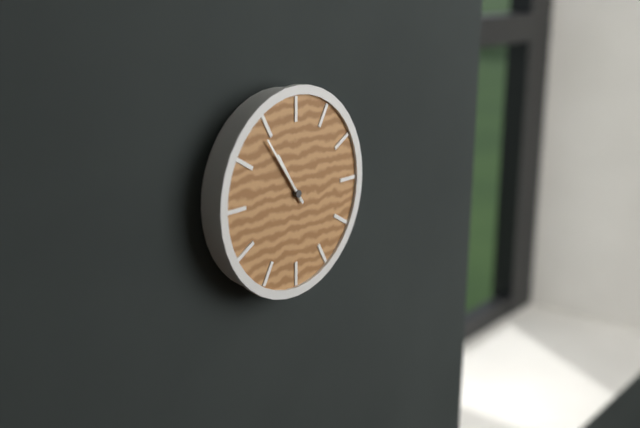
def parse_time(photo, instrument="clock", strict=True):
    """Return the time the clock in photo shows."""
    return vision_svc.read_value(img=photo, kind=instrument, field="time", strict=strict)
10:54
